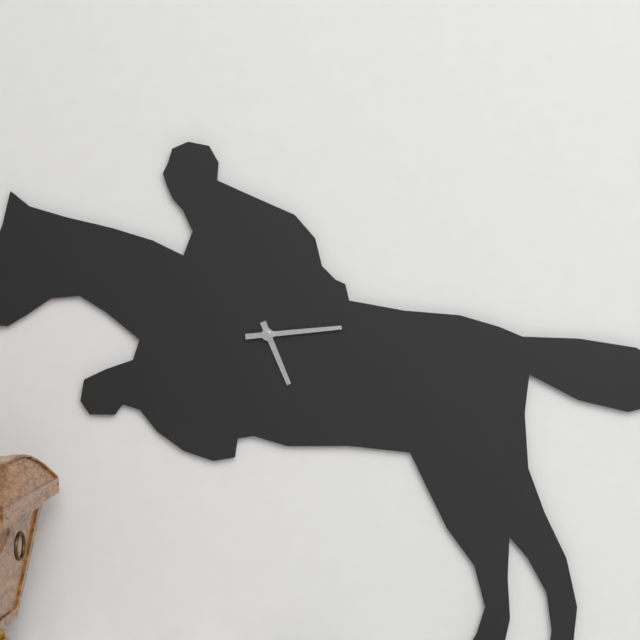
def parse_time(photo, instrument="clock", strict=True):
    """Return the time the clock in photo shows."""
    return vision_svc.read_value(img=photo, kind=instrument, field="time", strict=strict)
5:14
